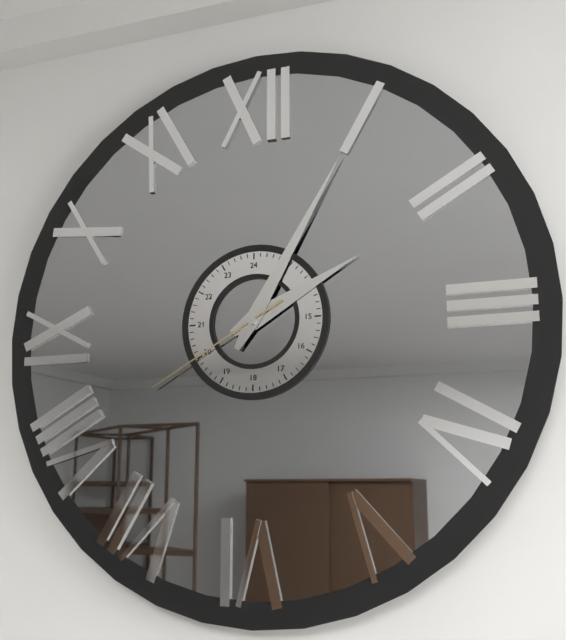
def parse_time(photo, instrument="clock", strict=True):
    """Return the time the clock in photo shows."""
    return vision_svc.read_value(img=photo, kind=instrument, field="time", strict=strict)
2:05:40
